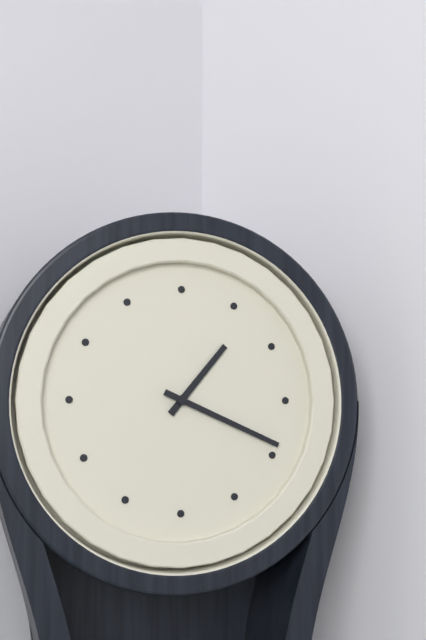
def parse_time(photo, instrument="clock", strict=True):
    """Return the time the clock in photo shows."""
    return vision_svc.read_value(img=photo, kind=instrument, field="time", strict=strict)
1:19
